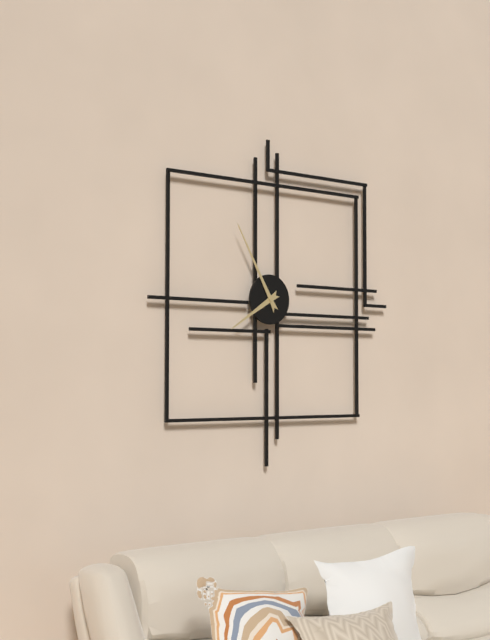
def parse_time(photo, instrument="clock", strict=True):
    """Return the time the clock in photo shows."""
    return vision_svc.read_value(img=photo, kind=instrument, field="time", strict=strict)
7:55
